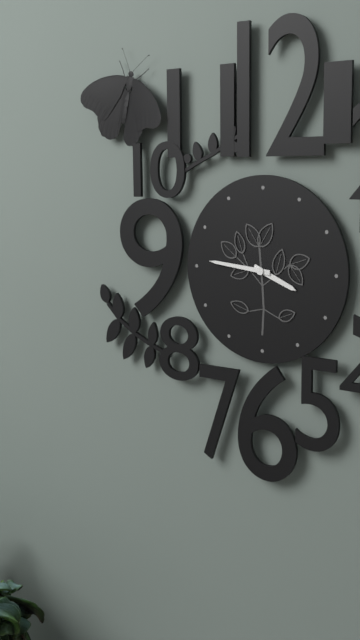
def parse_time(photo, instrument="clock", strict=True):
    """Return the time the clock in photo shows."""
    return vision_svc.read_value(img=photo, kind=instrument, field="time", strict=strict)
3:46
